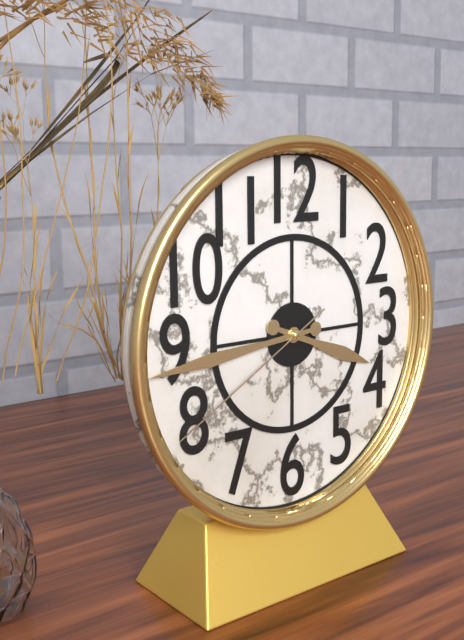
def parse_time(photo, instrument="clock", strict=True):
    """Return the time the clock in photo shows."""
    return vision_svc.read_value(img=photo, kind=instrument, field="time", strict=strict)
3:44:40
